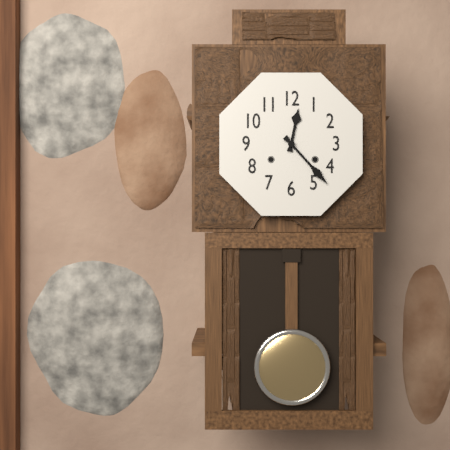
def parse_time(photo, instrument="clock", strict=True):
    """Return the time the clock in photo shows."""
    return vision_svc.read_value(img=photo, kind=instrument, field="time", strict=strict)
12:23
